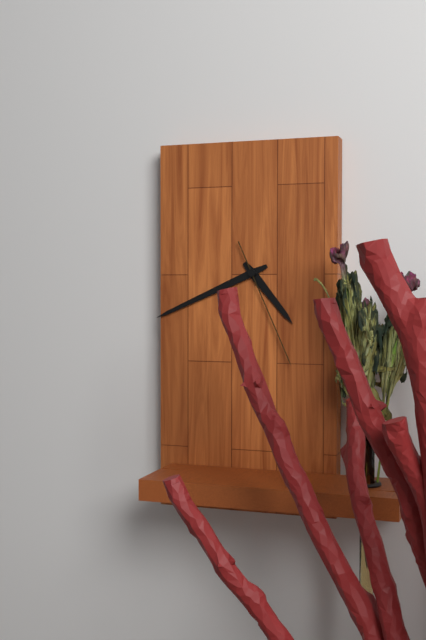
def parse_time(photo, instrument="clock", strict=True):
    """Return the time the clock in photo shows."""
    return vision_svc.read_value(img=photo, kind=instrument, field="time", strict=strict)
4:41:26
